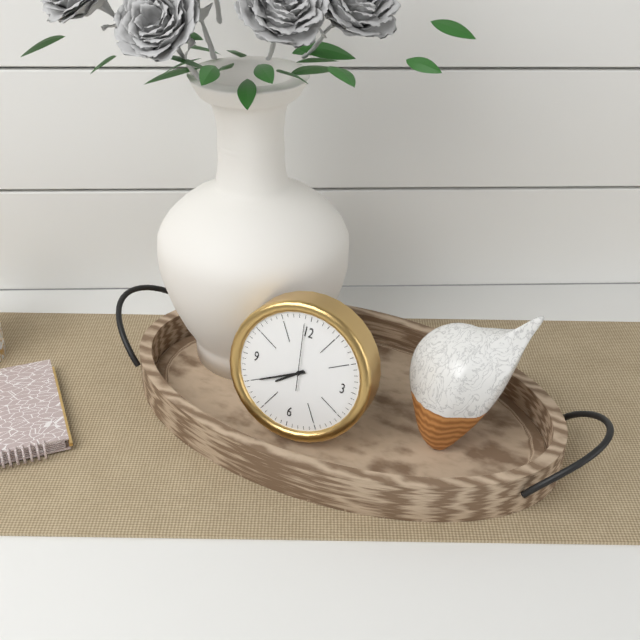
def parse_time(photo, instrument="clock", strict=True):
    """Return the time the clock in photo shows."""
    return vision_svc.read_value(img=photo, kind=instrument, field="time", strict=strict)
7:40:59
